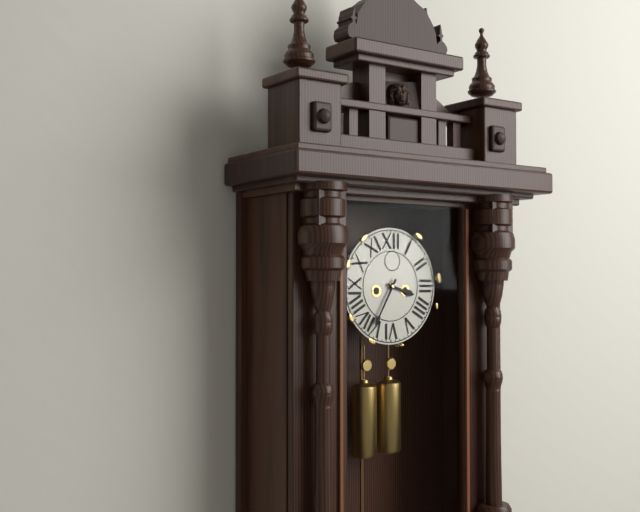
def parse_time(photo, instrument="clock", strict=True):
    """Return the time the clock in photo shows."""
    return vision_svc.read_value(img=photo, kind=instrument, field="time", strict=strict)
3:35
